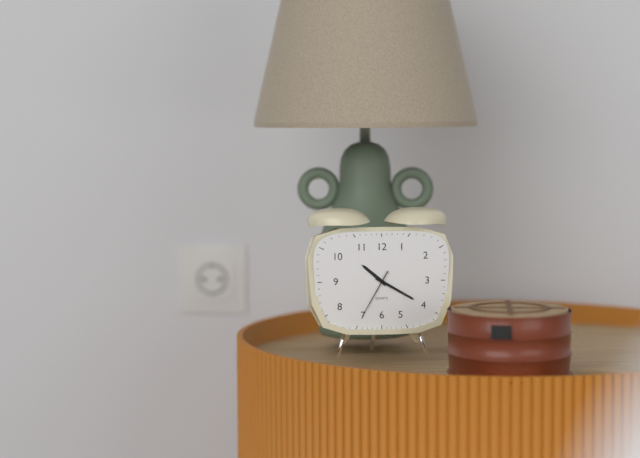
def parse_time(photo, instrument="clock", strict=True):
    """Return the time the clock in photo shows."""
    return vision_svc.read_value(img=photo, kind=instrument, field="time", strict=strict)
10:20:35
